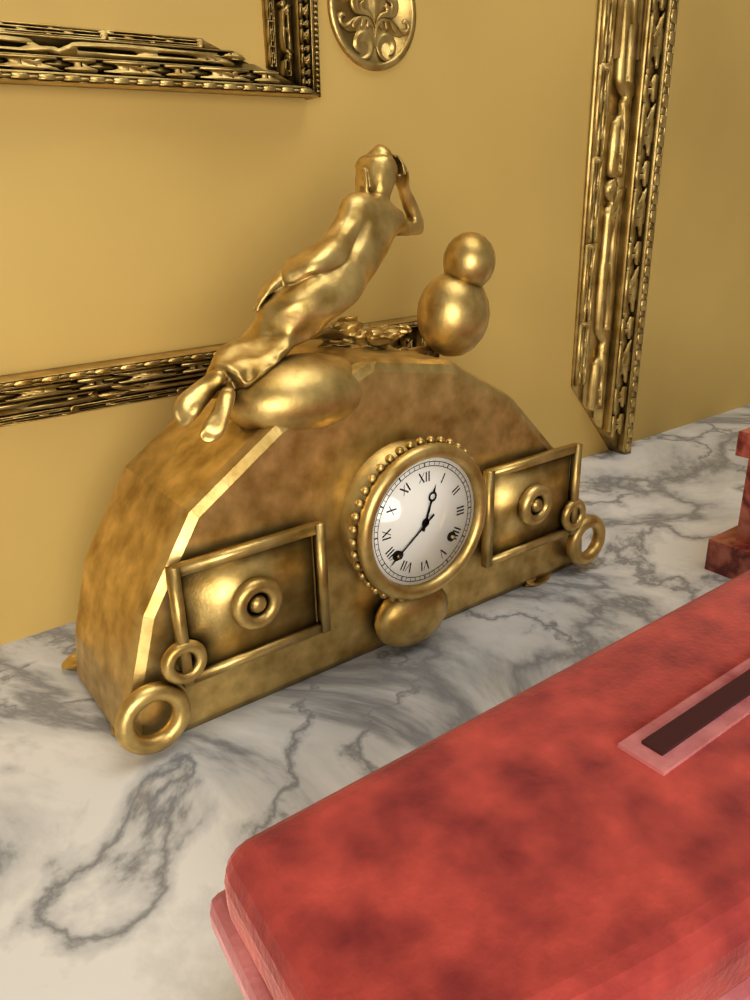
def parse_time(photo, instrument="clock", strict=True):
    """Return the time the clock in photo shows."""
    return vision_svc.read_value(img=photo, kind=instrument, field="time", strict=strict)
12:39
